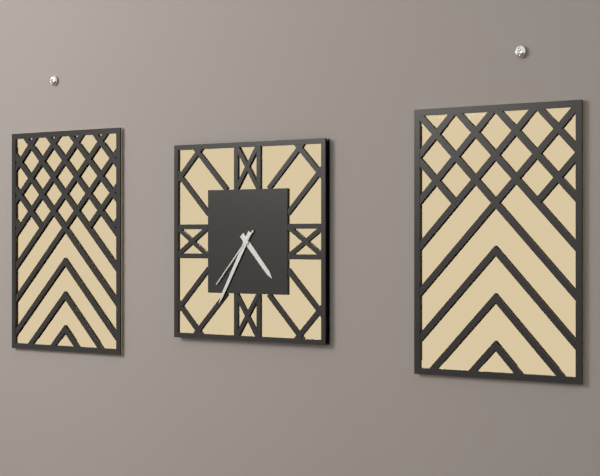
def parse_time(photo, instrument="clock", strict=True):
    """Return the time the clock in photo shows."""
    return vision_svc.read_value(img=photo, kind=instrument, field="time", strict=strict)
4:35:37
